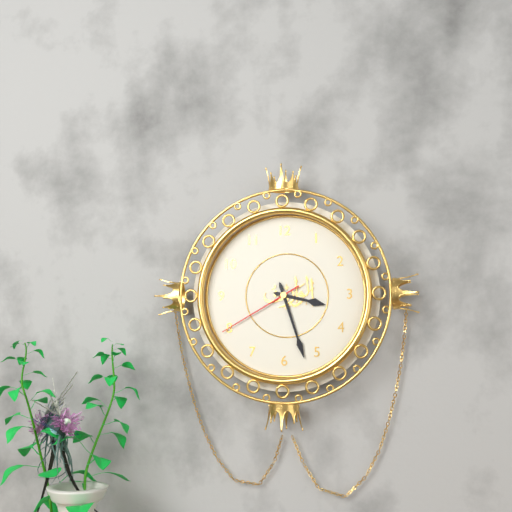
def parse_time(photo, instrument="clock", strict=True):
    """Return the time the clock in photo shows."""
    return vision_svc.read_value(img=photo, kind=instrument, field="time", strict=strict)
3:27:40
